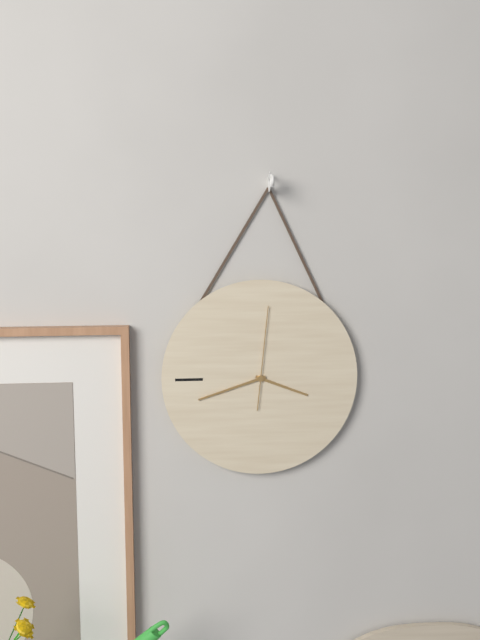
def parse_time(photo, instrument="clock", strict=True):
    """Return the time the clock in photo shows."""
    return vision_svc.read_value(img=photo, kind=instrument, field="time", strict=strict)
3:42:01
